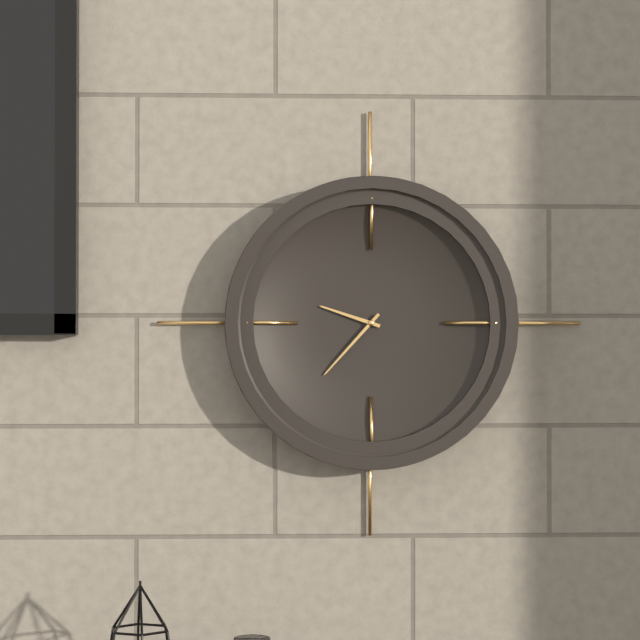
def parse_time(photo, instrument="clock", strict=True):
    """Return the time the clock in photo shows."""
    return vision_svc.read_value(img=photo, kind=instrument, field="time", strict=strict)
9:37
